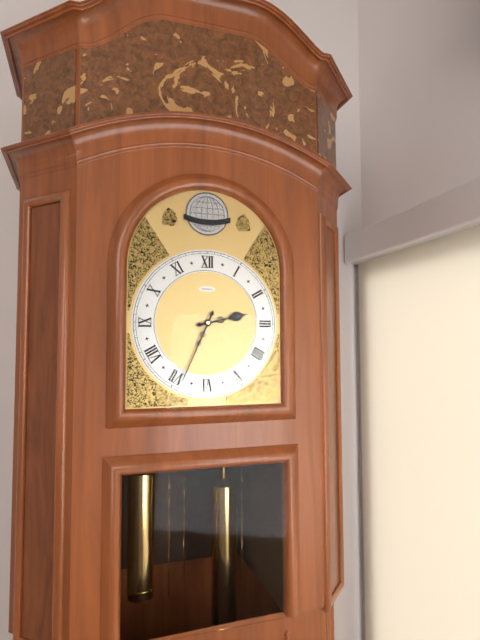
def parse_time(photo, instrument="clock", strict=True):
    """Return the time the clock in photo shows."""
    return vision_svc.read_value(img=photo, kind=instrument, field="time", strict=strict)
2:34
